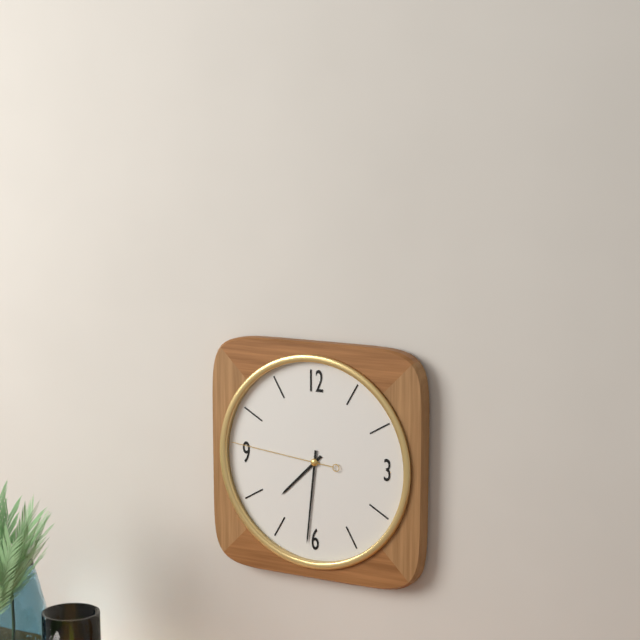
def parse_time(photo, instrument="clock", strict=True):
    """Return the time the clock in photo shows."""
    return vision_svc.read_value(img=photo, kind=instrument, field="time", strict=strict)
7:31:46
